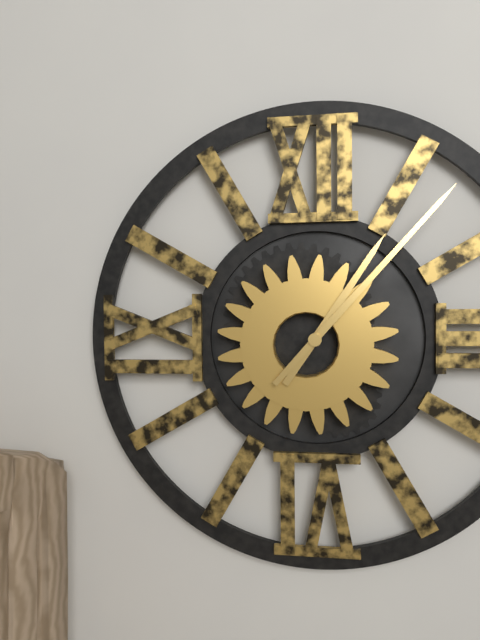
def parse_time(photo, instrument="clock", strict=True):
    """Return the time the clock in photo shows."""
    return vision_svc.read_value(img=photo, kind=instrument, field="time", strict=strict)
1:07
